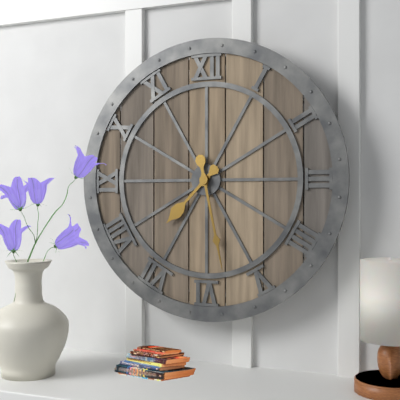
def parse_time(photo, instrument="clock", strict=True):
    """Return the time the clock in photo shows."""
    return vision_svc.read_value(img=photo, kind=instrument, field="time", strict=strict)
7:28
